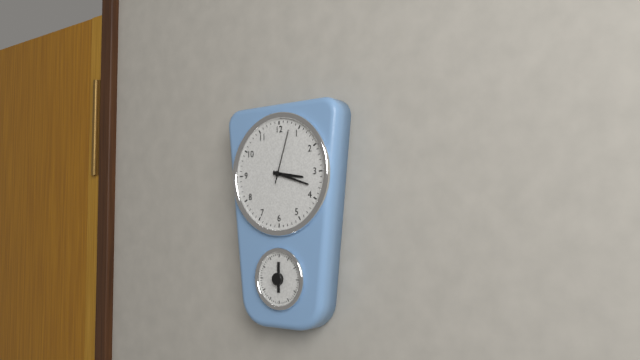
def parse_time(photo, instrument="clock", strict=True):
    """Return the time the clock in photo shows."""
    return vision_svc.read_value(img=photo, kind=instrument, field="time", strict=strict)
3:18:03
